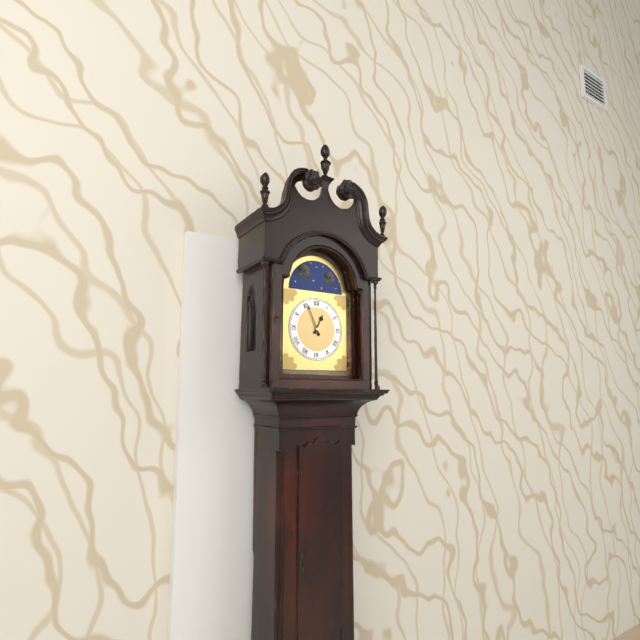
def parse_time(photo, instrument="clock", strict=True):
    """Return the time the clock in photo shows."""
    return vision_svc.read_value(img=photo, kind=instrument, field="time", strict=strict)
12:56
